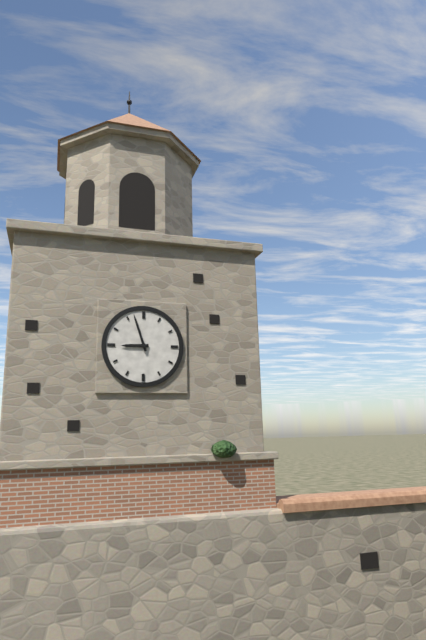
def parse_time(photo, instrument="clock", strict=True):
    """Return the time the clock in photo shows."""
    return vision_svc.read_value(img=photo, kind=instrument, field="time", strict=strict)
8:57
